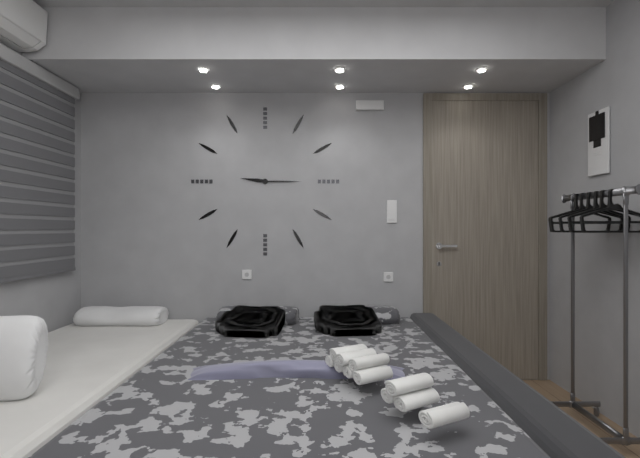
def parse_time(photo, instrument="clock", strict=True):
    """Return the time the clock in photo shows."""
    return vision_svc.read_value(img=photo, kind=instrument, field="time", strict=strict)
9:15
